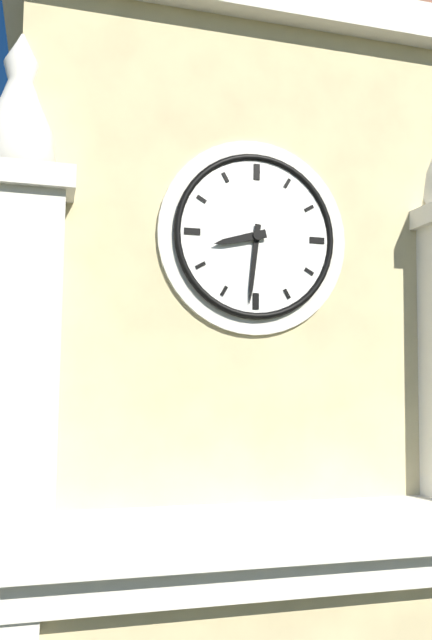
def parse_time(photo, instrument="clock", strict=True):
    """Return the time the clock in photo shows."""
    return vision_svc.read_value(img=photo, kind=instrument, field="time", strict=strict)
8:31
